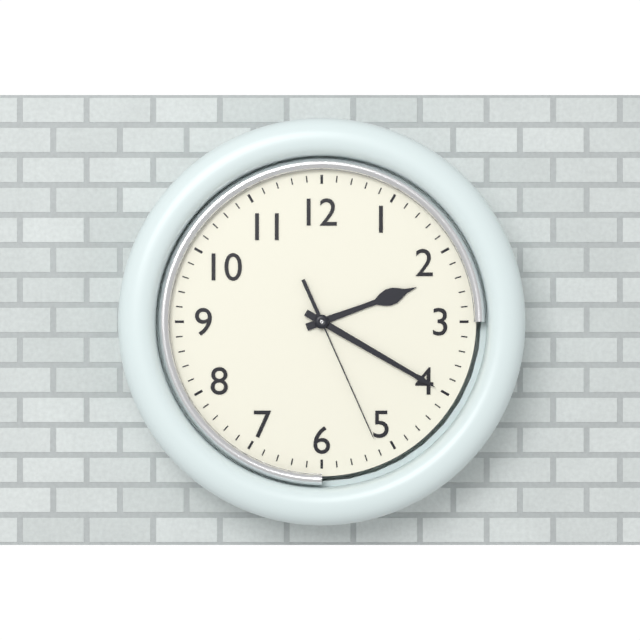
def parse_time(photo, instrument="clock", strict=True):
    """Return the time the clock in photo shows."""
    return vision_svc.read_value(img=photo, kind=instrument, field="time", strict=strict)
2:20:26
